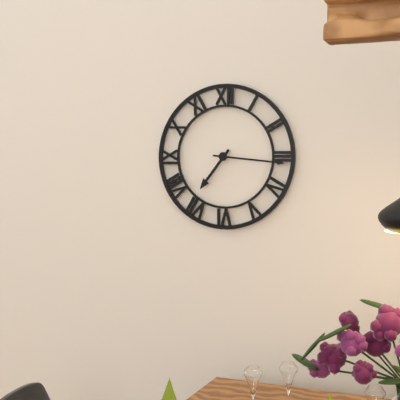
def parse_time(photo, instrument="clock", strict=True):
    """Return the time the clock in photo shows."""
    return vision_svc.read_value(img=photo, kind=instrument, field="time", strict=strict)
7:16
